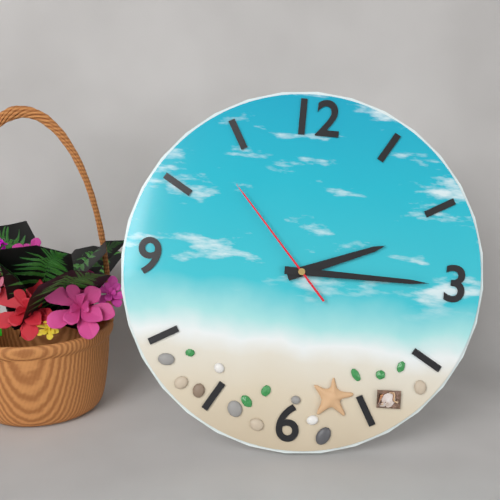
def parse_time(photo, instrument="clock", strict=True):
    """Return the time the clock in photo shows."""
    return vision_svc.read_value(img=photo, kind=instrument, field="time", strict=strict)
2:15:53
